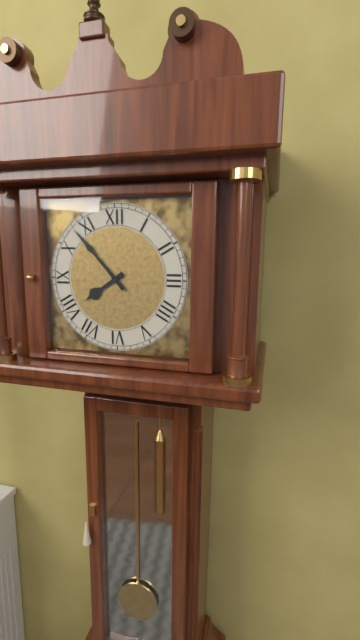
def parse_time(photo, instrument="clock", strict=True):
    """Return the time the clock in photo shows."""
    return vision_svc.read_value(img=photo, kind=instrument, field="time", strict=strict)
7:53
